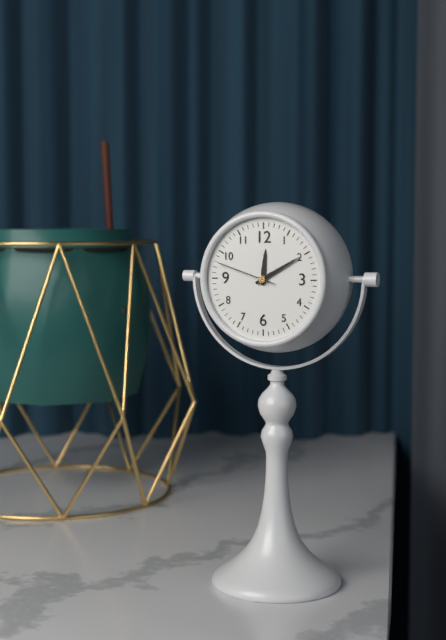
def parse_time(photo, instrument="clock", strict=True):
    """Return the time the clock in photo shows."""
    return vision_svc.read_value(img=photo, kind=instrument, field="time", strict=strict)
12:10:48
